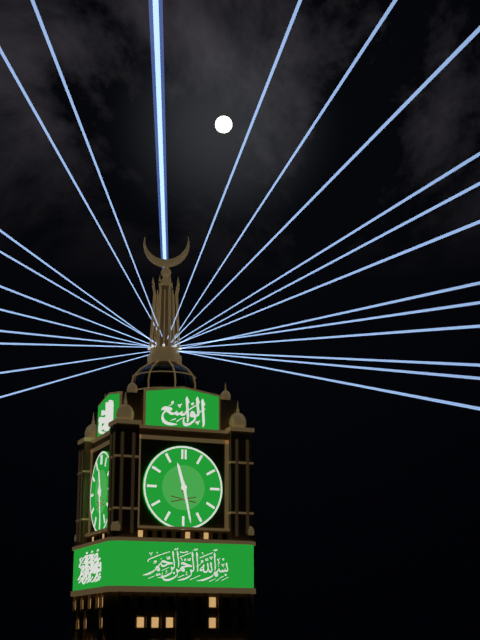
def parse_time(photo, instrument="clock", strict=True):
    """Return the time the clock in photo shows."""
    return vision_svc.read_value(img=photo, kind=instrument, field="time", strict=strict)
11:28
